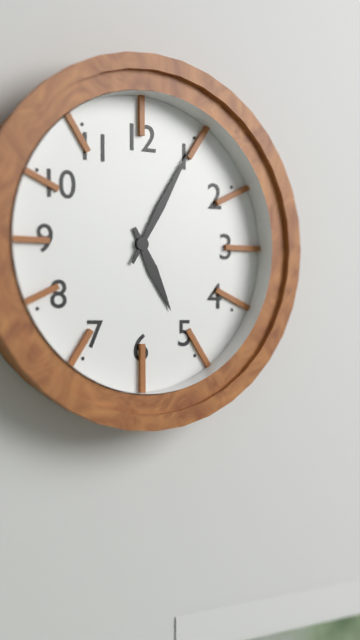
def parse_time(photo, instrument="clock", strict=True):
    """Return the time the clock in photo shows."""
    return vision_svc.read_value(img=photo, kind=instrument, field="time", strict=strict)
5:05
